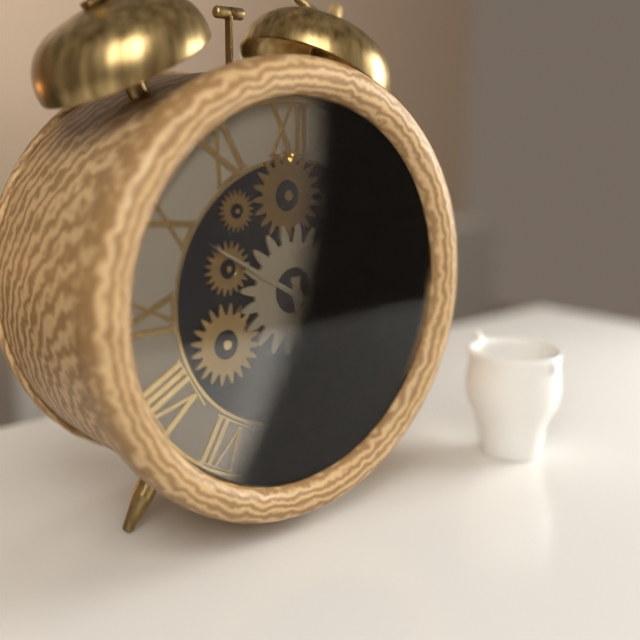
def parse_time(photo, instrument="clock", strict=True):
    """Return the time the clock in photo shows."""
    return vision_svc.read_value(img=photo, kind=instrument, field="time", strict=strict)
5:50
